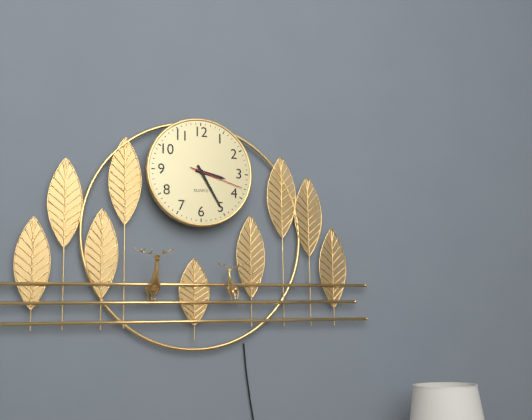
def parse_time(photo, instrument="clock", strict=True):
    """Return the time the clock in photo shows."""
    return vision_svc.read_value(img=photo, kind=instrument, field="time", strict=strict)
3:25:18
